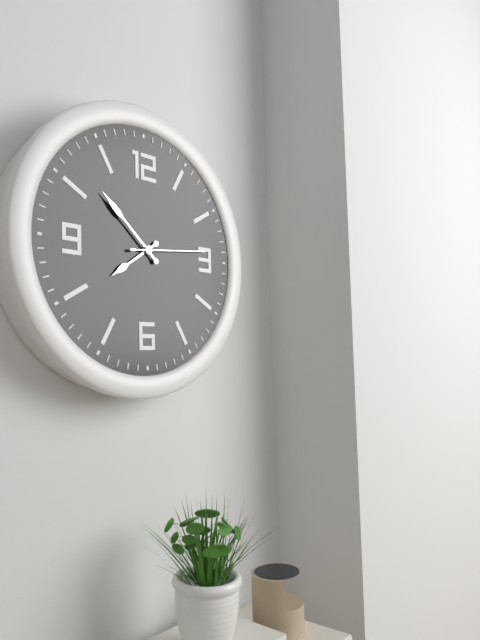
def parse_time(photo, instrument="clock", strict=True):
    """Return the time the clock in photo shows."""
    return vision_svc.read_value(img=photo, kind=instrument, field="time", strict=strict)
7:52:14
